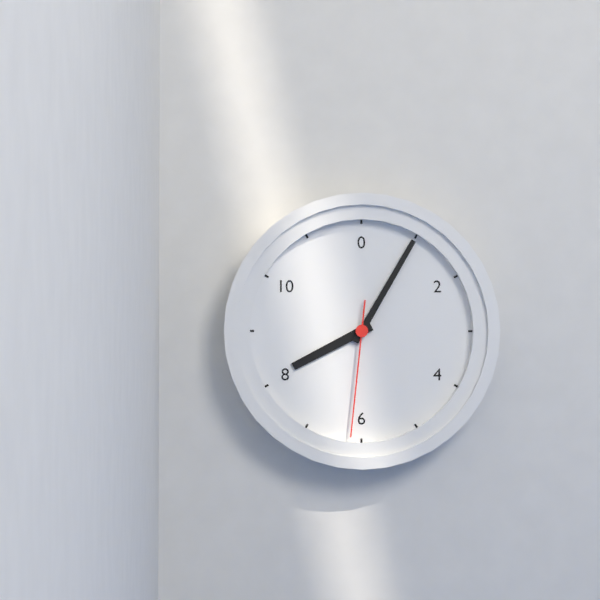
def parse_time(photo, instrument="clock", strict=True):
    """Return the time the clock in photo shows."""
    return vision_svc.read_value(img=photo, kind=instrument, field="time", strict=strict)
8:05:31
